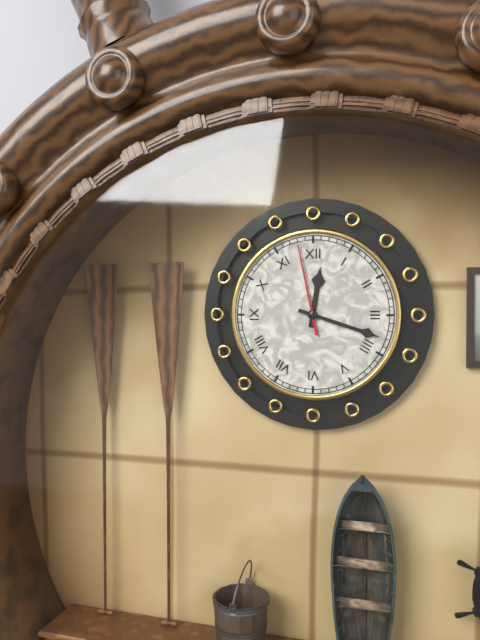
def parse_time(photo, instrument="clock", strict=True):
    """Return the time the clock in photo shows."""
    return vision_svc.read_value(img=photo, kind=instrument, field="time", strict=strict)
12:18:58
